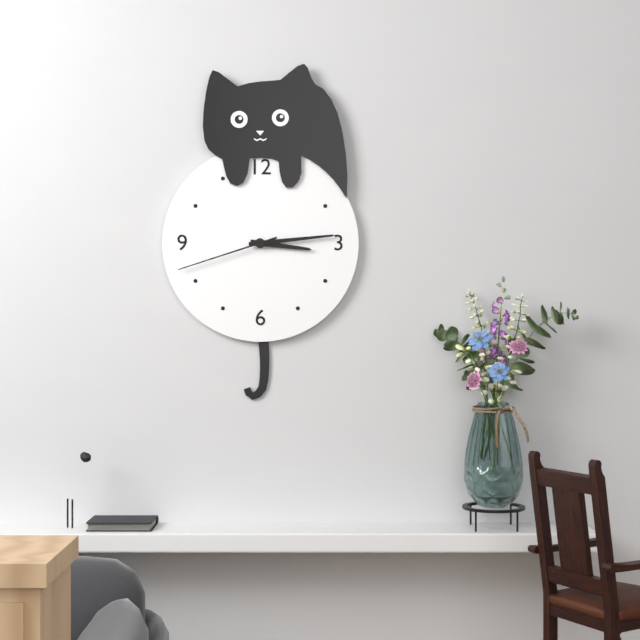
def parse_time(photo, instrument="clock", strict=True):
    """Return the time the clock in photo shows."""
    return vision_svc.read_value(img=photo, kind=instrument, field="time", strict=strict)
3:14:42
